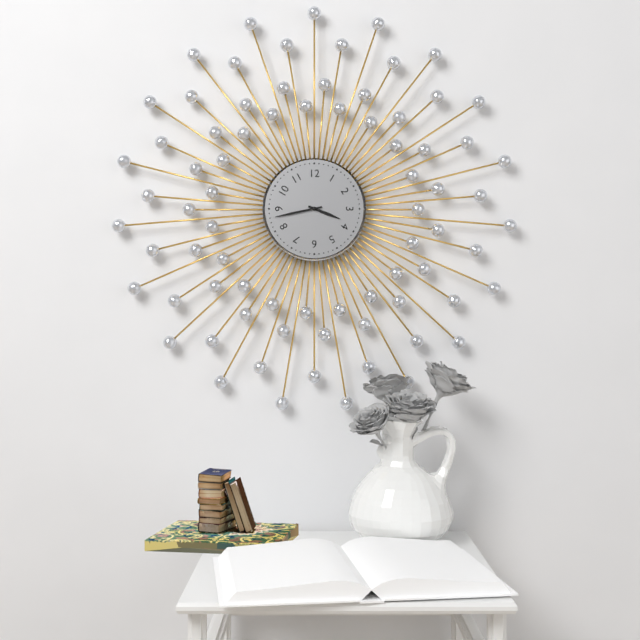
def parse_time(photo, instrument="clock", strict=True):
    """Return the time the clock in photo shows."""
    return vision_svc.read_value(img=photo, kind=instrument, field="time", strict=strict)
3:43
